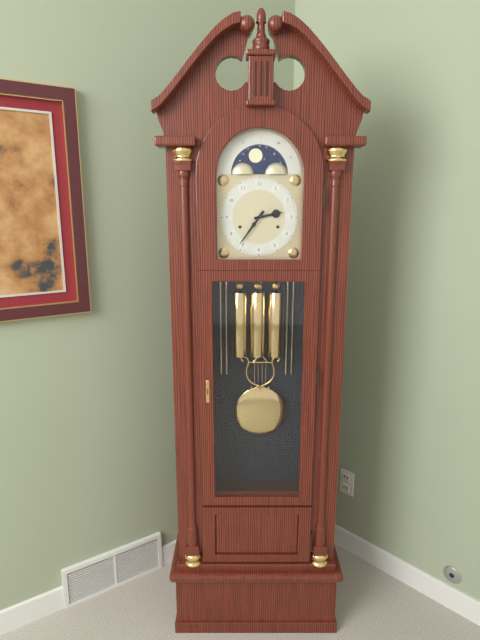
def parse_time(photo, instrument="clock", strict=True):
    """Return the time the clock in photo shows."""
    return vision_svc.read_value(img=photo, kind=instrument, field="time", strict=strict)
2:36
